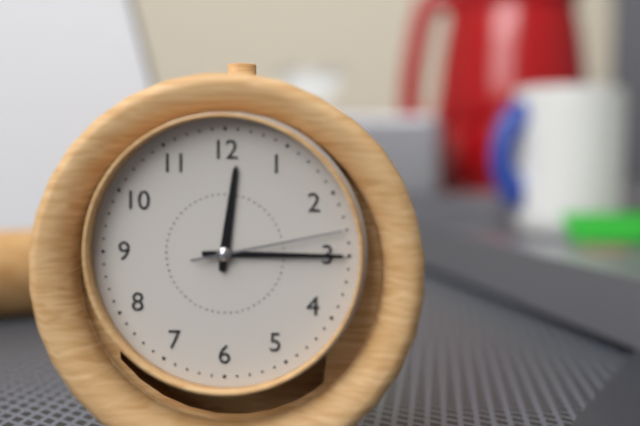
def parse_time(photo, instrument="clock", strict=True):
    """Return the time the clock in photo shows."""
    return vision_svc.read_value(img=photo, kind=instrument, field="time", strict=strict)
12:15:13
